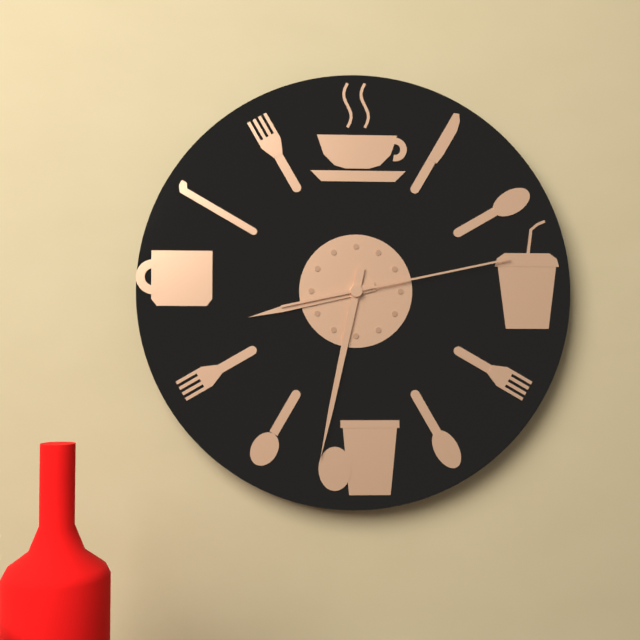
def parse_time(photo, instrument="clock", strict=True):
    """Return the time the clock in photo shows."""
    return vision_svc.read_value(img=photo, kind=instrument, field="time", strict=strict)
8:32:13
